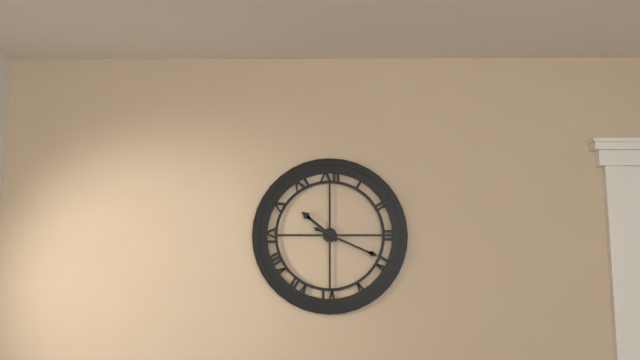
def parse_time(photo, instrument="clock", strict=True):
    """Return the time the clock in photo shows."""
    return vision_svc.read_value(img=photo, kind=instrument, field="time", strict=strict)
10:19
